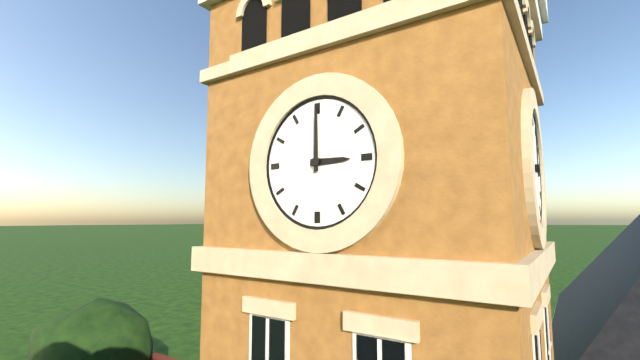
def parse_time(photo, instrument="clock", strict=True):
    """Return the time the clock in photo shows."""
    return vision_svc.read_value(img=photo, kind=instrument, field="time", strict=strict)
3:00
